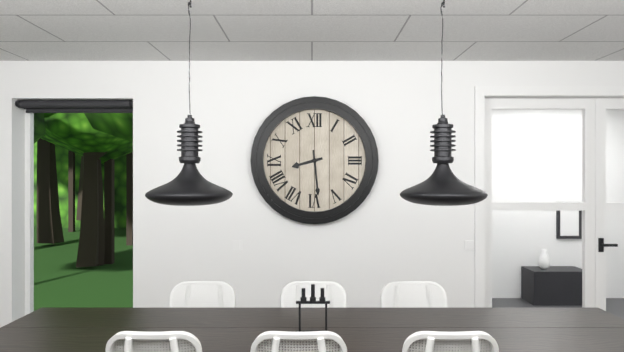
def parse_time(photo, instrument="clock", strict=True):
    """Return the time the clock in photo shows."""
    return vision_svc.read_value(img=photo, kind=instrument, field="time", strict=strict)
8:29
